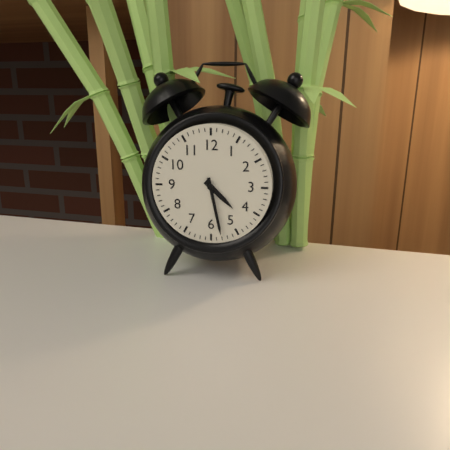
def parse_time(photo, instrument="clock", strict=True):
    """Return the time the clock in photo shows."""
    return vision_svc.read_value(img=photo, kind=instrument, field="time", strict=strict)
4:28
